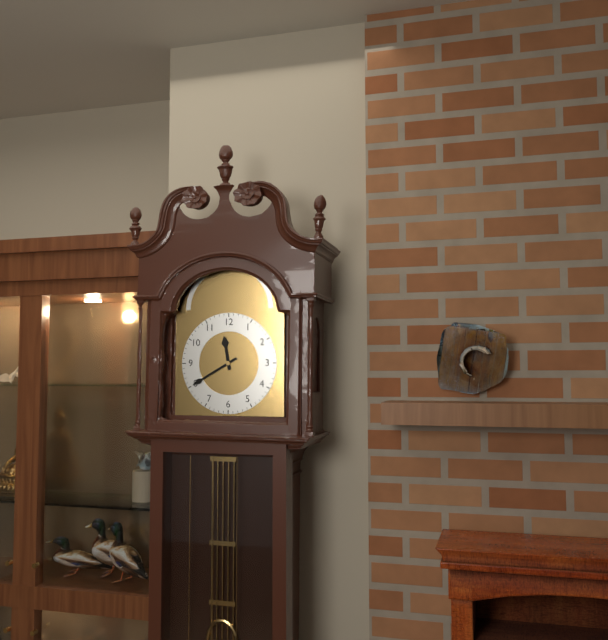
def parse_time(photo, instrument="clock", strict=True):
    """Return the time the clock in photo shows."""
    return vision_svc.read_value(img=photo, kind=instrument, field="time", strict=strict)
11:40
